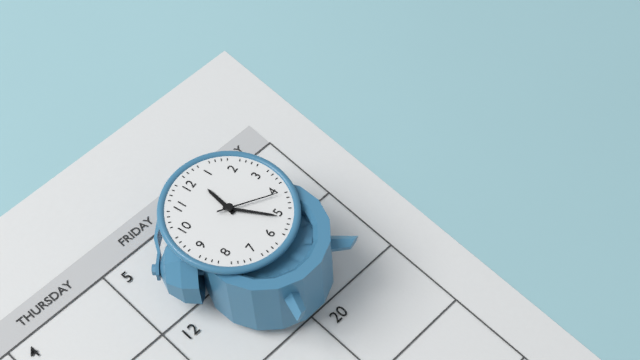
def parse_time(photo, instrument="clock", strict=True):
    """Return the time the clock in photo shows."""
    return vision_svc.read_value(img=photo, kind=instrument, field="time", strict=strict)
12:26:21
